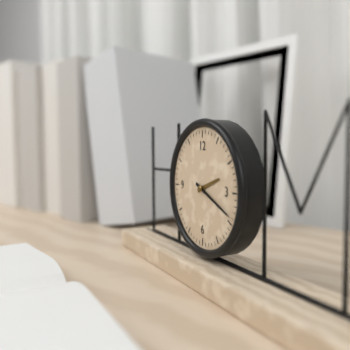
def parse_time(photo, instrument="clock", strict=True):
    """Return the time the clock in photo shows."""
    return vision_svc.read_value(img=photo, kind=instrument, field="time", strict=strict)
2:19
